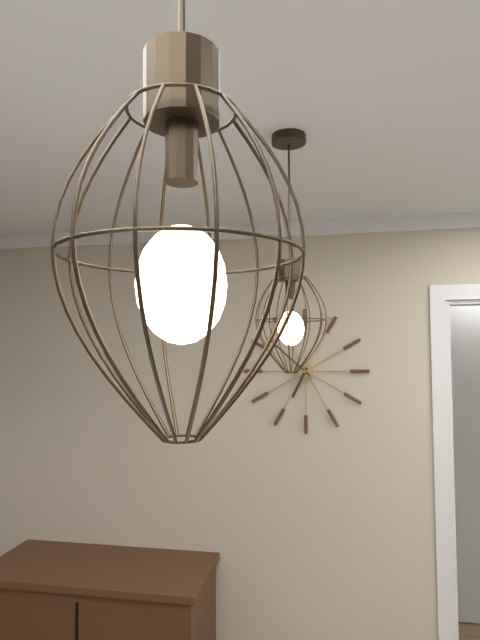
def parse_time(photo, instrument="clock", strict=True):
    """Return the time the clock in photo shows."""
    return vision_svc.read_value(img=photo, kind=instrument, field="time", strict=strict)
6:52
